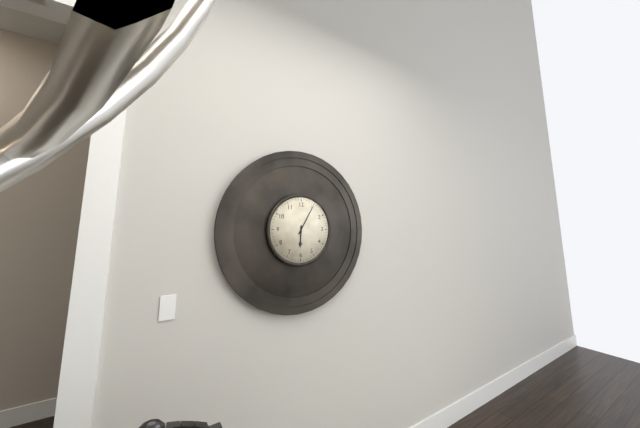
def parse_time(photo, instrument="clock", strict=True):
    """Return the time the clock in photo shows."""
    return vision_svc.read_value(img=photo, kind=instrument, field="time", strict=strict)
6:05
